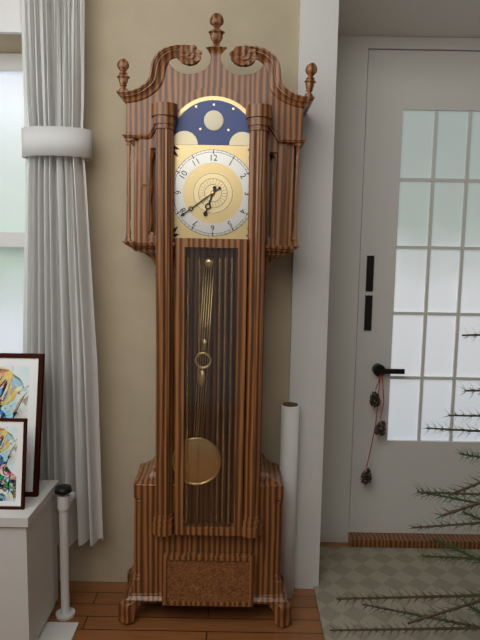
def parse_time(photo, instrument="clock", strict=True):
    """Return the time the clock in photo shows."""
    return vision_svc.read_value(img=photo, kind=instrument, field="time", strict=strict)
6:39
